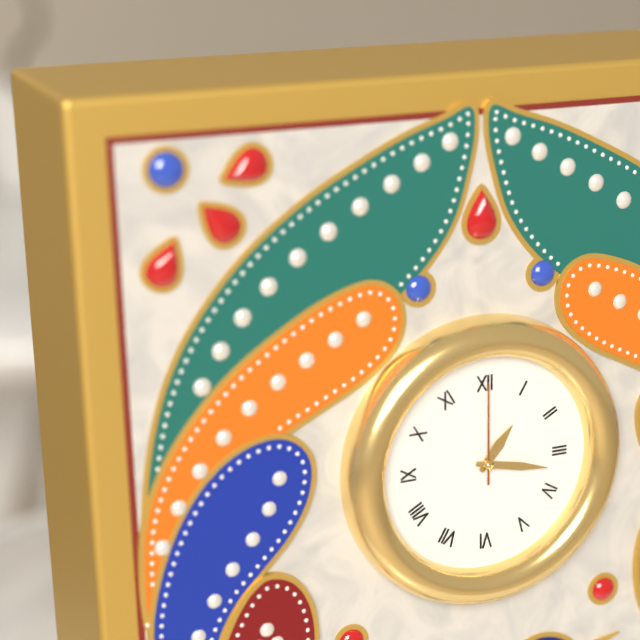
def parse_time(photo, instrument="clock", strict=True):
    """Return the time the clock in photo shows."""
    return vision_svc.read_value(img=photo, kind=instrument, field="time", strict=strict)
1:17:00
